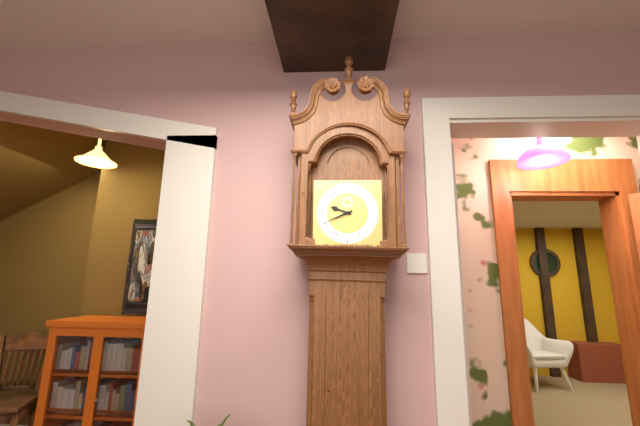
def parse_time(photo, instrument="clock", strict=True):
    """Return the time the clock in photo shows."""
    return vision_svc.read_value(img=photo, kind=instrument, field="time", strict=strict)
9:41
